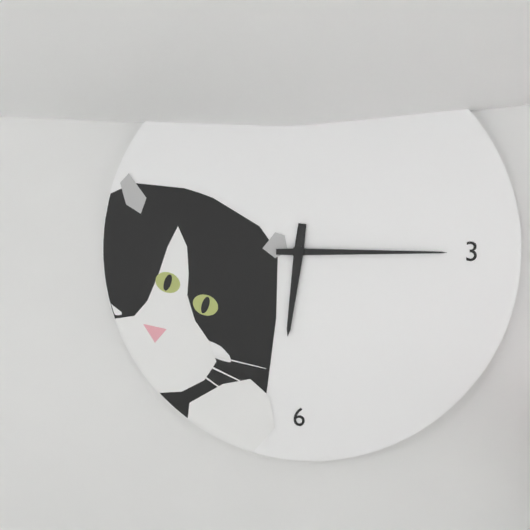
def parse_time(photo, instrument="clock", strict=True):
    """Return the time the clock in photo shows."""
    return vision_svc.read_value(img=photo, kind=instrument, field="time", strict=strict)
6:15
